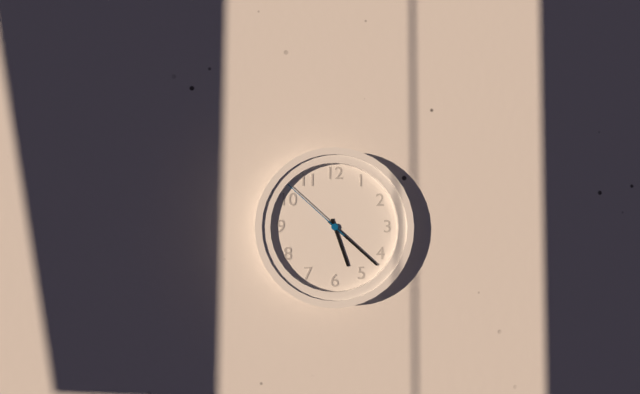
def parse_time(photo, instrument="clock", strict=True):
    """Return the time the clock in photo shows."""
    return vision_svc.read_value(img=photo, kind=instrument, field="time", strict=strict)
5:22:52
